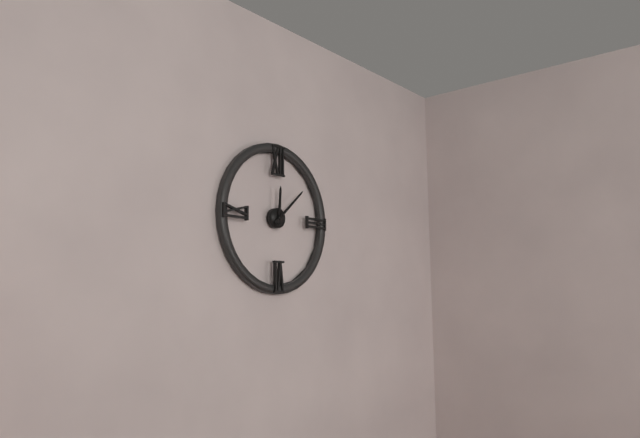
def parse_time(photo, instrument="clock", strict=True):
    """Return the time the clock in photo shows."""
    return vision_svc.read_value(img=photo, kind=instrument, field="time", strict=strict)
12:08
